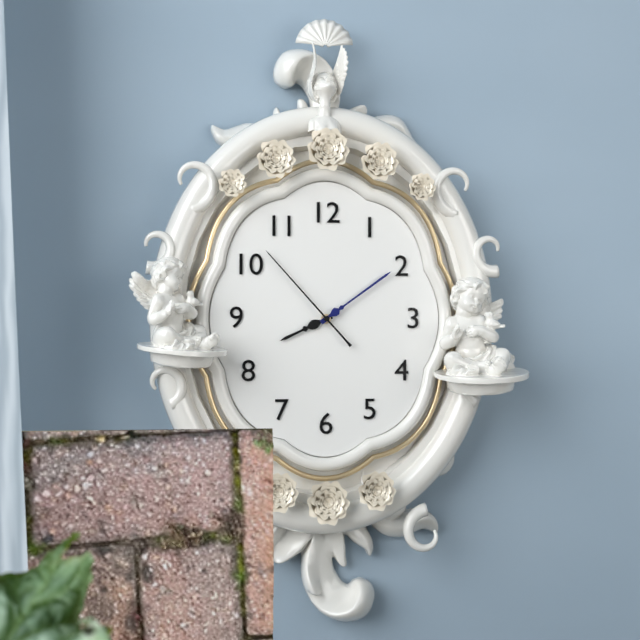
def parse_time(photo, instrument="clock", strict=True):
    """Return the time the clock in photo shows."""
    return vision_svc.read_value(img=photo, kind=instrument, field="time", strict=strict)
8:09:53
